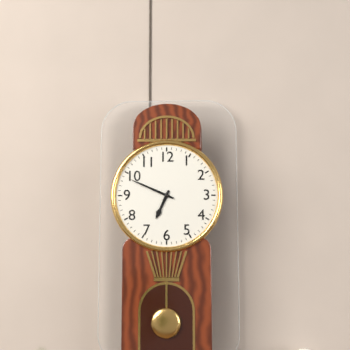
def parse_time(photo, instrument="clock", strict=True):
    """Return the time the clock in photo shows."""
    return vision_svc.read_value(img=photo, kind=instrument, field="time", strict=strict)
6:49
